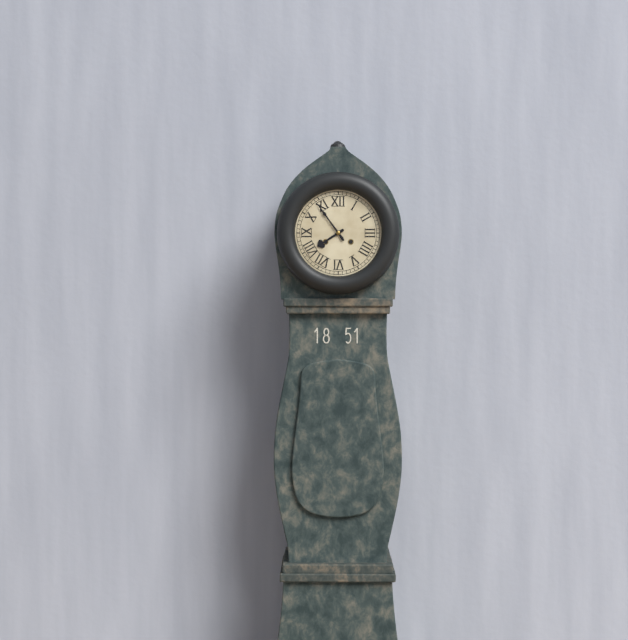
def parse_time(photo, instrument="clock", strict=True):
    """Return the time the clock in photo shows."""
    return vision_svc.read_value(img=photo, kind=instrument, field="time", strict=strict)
7:54
